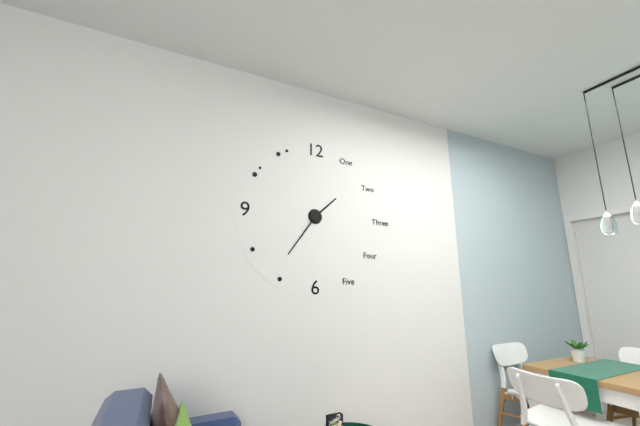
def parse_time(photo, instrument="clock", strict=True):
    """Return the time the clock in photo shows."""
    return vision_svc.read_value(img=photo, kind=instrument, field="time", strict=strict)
1:36
